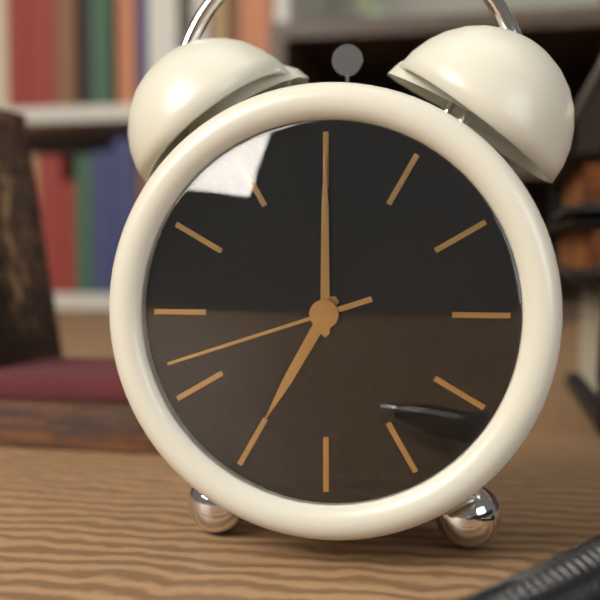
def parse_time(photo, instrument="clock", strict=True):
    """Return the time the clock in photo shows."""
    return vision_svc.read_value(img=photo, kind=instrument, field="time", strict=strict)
7:00:42
